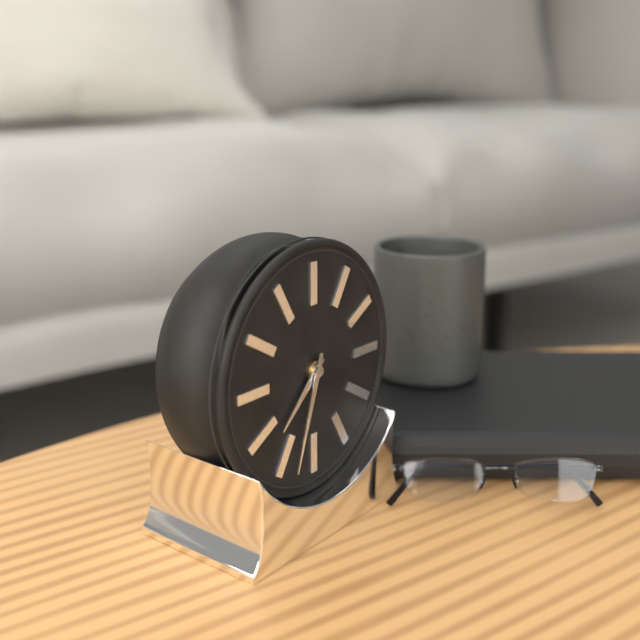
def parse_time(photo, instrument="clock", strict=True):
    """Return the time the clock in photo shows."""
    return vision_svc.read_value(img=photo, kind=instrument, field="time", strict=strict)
7:33
